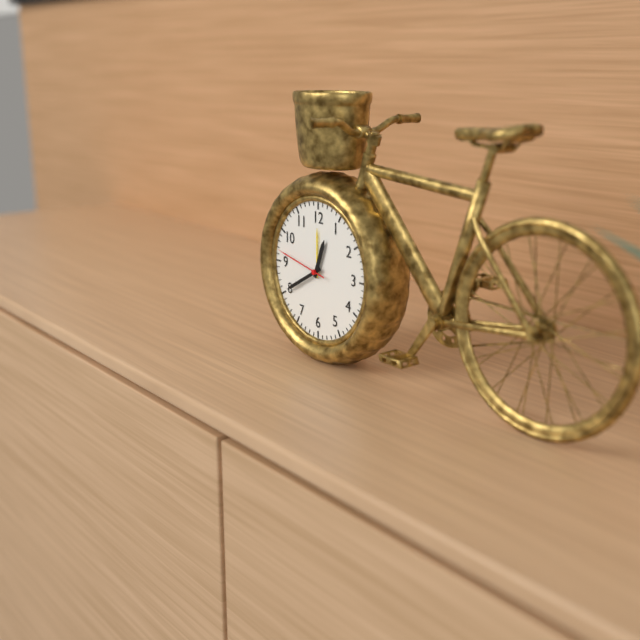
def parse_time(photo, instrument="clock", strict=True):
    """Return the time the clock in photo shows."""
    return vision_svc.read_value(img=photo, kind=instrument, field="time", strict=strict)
12:40:47
